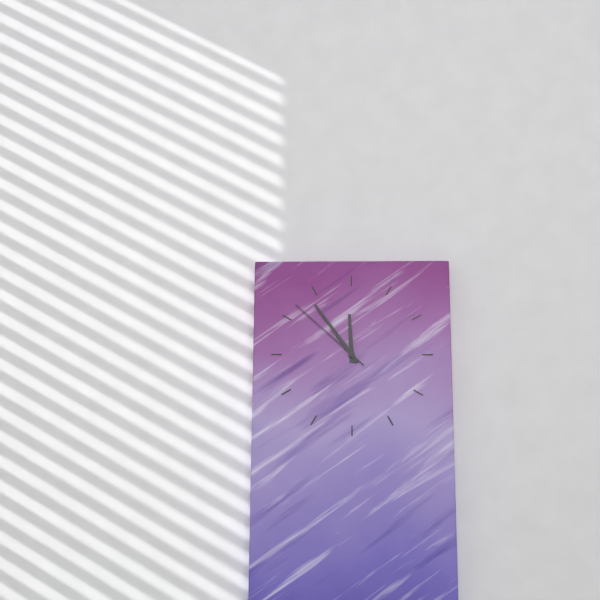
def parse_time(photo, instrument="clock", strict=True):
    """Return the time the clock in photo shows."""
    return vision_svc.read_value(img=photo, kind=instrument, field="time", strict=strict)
11:54:52
